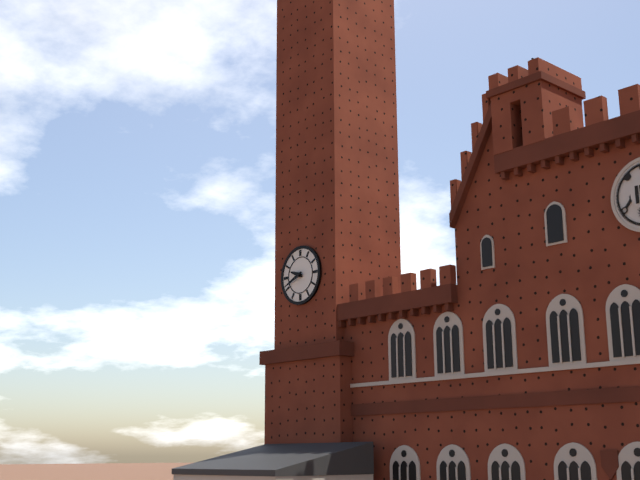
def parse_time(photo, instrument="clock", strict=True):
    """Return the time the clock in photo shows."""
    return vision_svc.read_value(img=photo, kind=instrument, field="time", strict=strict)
9:41
